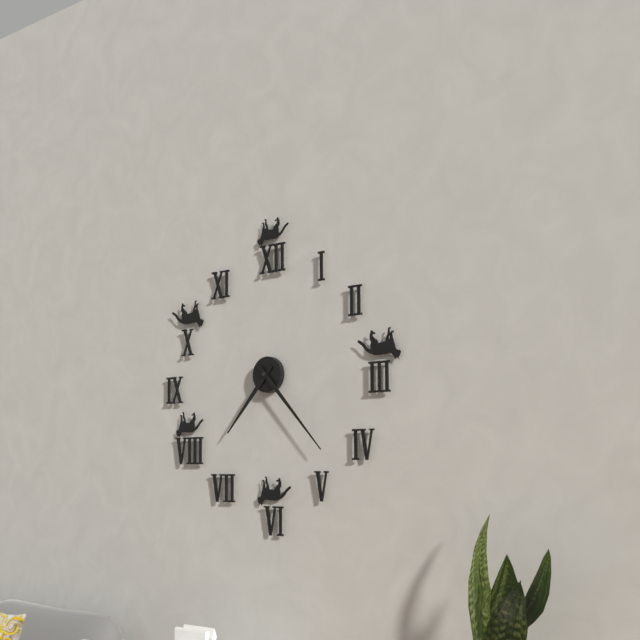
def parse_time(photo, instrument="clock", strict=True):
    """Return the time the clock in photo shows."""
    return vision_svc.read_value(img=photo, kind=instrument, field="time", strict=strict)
7:23
